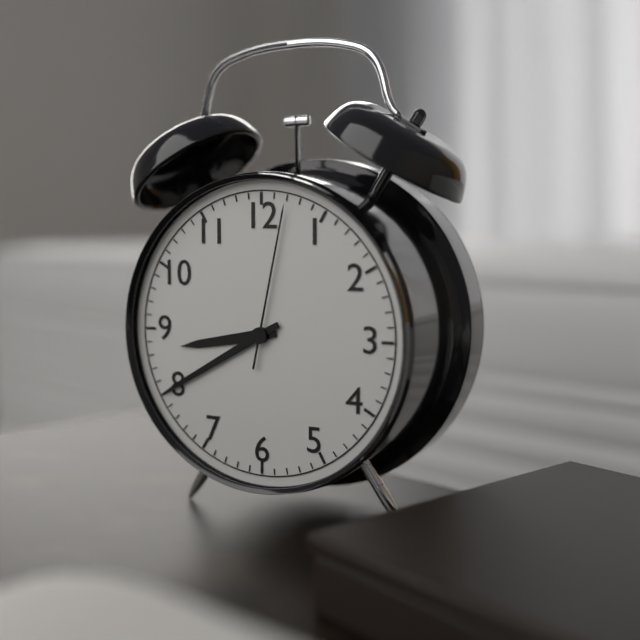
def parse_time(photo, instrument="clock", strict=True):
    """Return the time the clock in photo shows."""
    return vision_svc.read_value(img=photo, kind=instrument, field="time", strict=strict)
8:40:02
